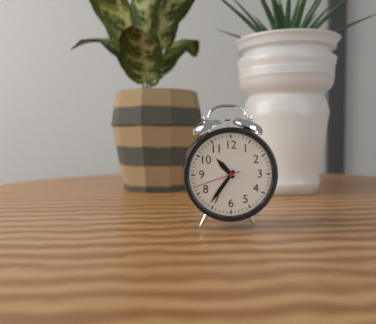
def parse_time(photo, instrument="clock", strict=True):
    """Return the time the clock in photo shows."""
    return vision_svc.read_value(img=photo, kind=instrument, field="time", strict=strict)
10:36
